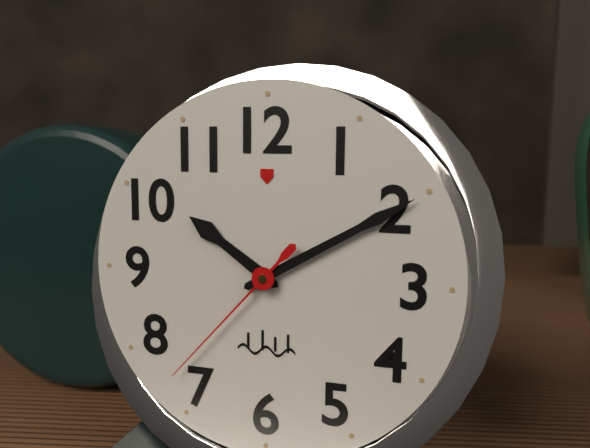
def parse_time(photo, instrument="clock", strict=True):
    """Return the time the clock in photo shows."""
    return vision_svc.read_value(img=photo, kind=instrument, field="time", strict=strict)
10:10:37
